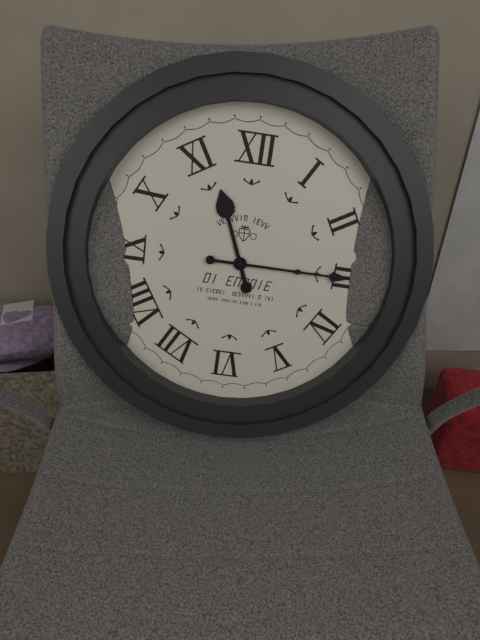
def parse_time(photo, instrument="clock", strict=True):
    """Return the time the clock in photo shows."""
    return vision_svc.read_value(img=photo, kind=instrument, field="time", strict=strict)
11:15
